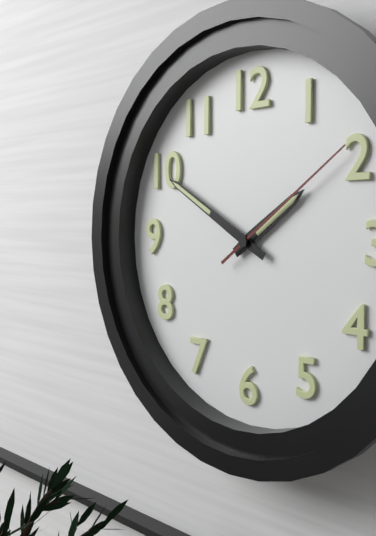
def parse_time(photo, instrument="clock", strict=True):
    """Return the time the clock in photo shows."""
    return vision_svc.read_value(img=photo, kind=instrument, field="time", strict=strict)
1:50:09
